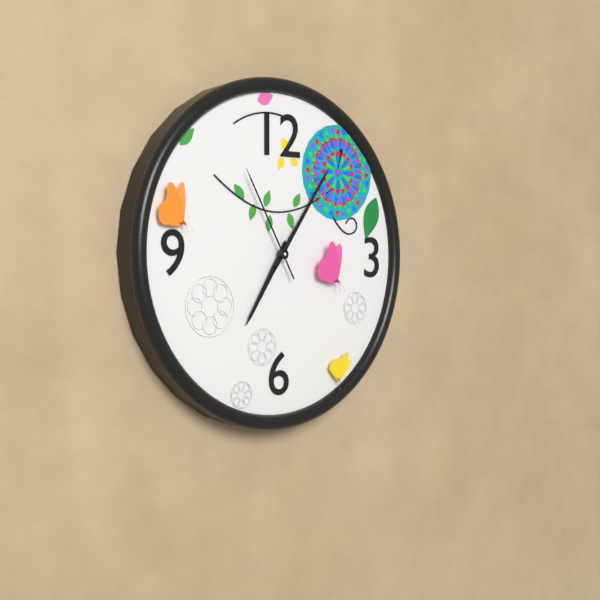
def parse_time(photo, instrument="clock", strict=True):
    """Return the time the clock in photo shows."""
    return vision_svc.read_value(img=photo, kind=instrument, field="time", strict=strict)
7:06:55
